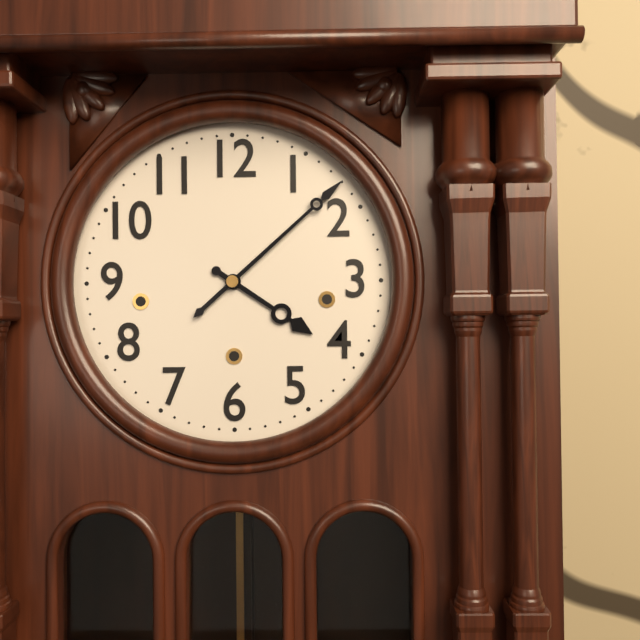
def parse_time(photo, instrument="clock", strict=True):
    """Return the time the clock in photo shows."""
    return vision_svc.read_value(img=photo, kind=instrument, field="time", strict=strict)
4:08
